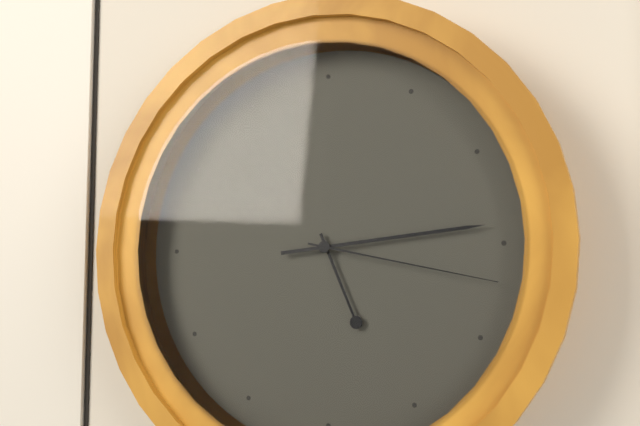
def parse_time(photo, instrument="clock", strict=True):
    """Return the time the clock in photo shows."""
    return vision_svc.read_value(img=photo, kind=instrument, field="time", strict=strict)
5:14:17
